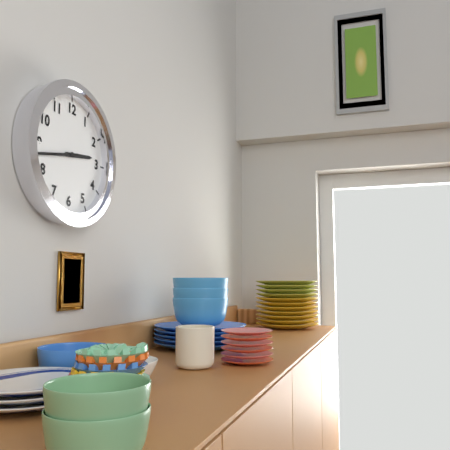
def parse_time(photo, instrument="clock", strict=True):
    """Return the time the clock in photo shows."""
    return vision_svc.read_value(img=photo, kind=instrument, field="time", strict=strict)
2:43
